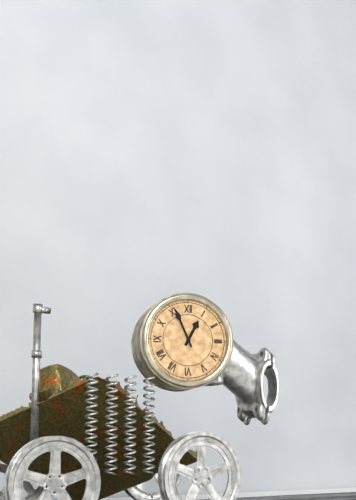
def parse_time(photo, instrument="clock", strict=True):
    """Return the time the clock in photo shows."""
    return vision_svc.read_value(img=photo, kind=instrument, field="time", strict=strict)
12:56
